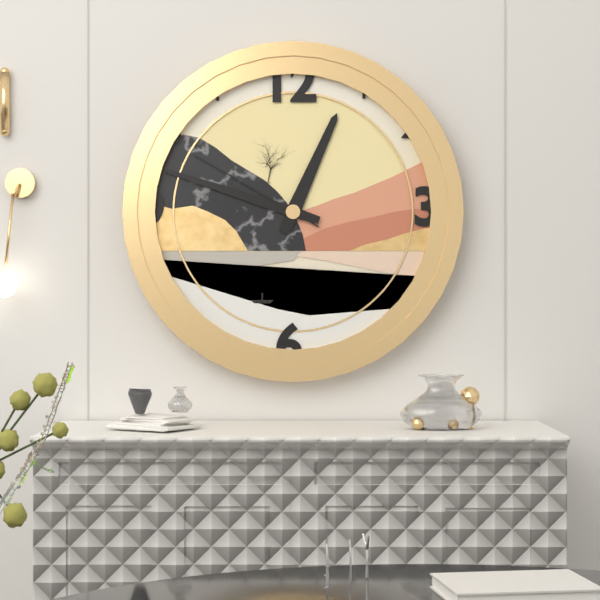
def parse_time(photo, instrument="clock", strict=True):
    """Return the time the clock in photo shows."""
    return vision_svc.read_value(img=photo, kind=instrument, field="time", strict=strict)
12:48:50
